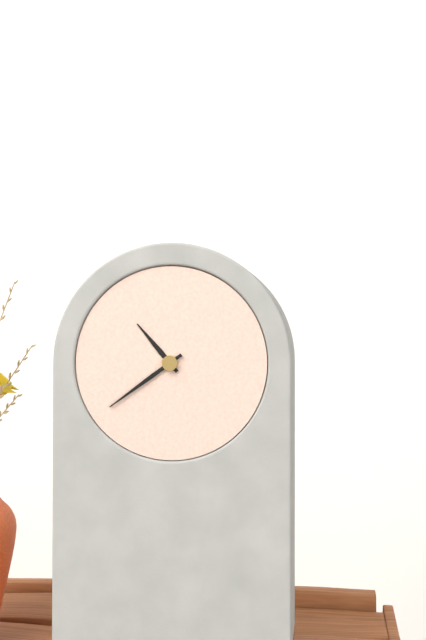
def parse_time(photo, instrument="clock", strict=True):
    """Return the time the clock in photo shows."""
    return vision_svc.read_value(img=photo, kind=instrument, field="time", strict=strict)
10:39
